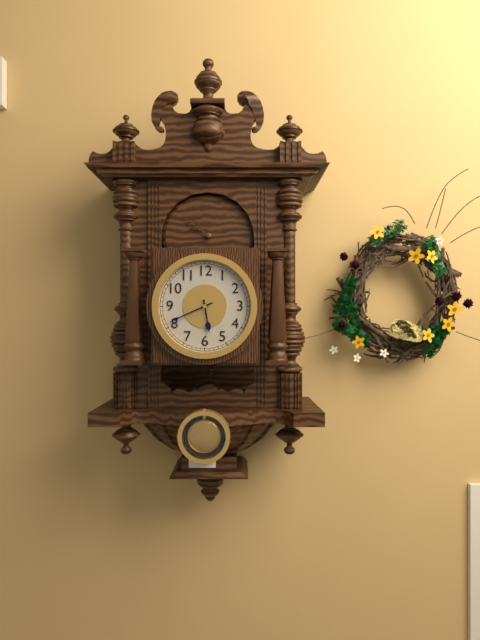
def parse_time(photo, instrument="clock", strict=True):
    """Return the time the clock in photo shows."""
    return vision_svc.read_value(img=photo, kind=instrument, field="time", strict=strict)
5:41
